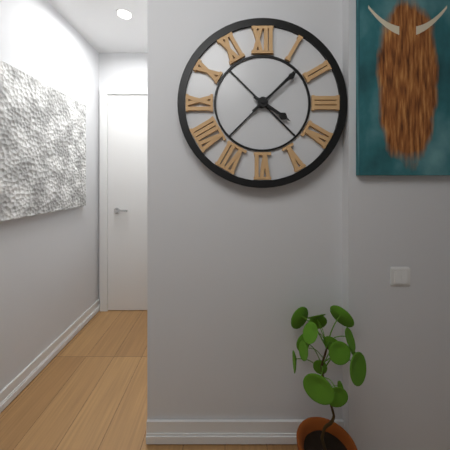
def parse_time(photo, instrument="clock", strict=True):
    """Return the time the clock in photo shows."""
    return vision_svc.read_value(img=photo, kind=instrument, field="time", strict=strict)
4:08
